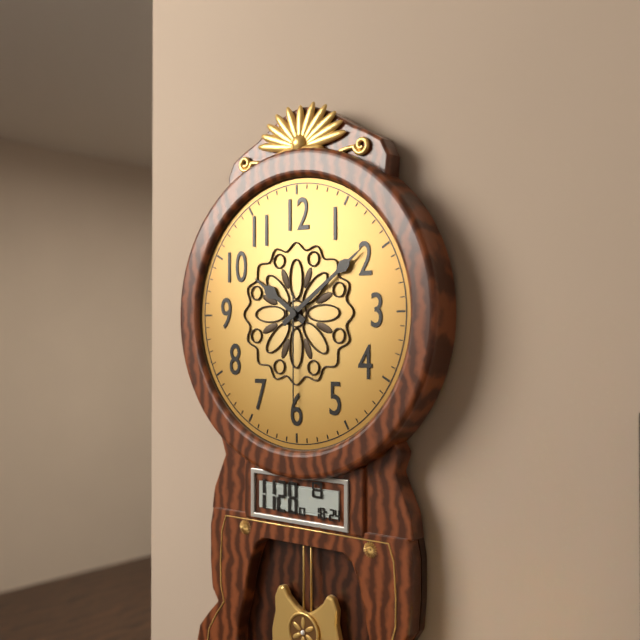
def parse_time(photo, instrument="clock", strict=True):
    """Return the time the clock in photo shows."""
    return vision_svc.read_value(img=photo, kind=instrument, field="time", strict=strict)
10:09:30
